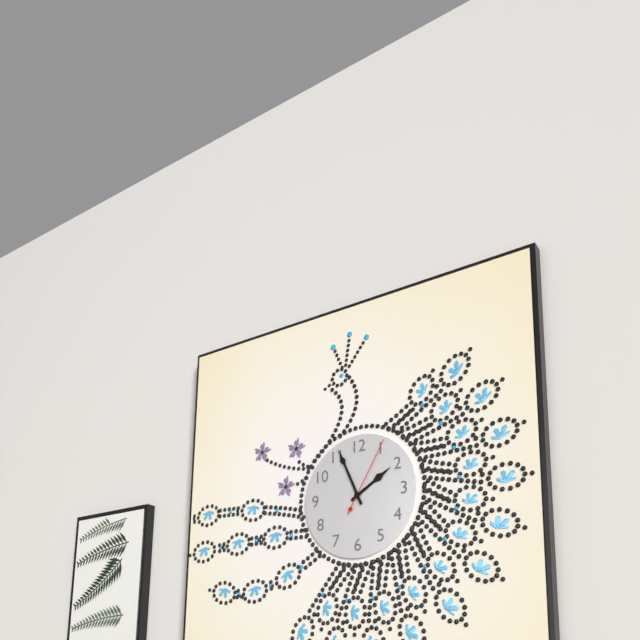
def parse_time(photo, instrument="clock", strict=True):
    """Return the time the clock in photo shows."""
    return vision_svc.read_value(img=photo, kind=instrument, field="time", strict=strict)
1:56:05
